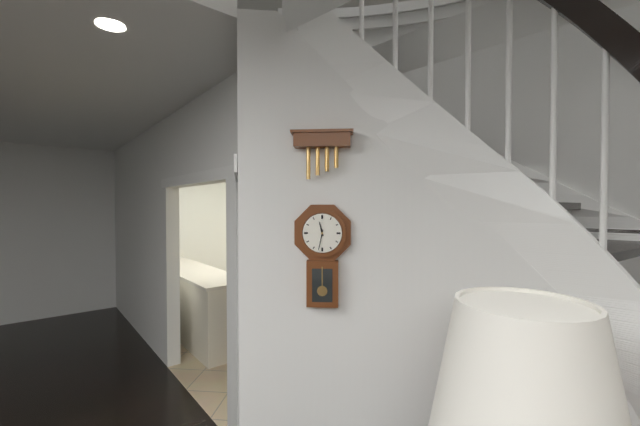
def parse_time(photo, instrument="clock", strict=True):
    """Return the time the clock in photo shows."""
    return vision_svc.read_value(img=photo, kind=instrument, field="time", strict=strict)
11:32
